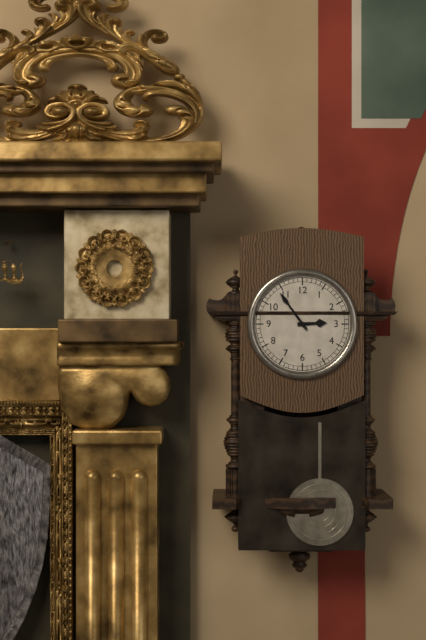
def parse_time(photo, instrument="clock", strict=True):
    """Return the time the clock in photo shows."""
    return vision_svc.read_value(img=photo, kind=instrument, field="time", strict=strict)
2:54
